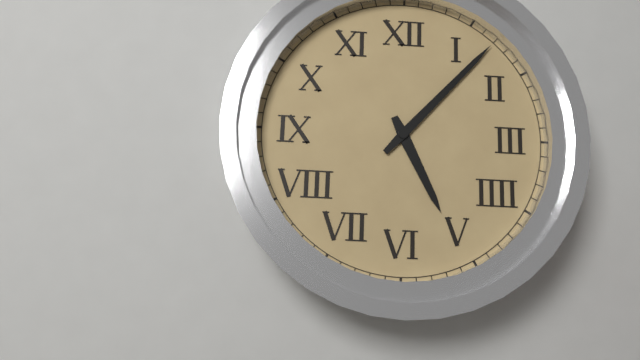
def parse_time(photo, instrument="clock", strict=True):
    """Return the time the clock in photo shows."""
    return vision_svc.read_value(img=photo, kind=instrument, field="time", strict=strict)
5:07
